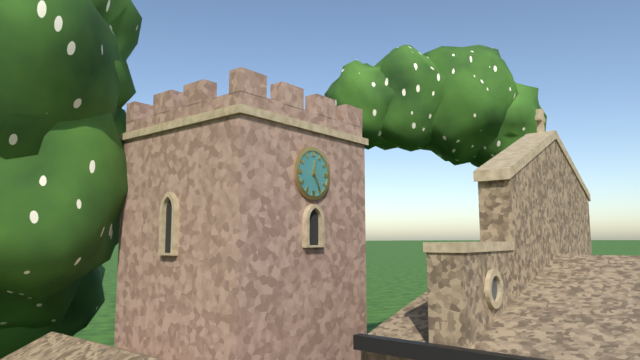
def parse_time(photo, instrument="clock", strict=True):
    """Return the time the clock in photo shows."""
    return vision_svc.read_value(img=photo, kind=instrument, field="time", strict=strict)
12:25
